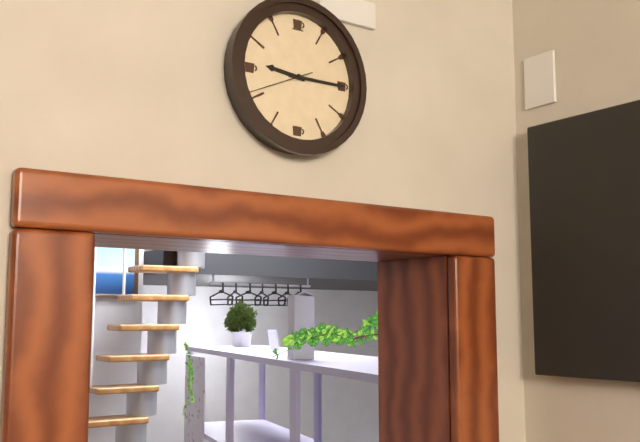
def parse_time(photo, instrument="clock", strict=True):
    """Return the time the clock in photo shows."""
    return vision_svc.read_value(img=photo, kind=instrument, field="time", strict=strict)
9:15:41
